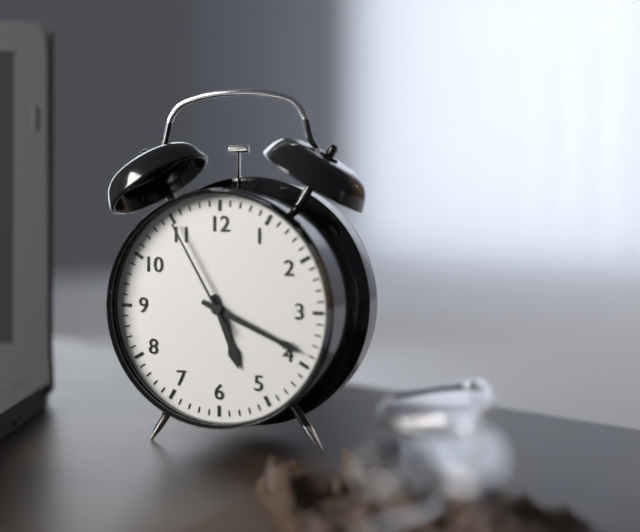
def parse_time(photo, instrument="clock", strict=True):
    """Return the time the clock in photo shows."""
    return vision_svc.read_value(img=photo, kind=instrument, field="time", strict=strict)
5:19:55
